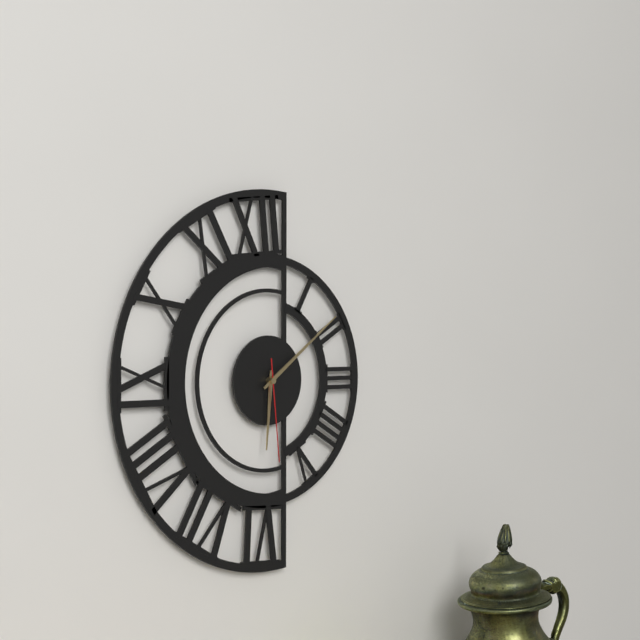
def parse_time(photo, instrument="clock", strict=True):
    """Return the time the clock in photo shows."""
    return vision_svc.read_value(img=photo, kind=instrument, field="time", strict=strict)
6:09:29
